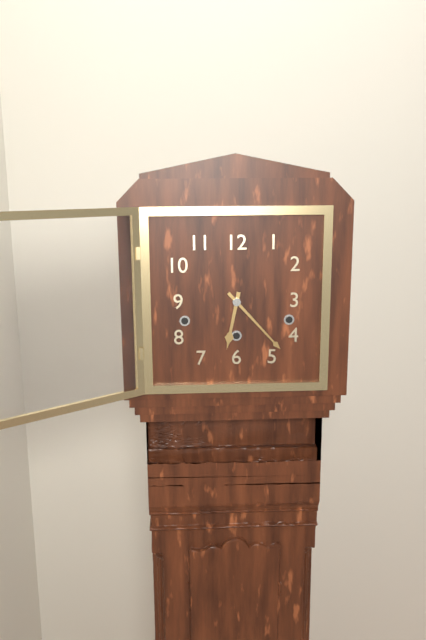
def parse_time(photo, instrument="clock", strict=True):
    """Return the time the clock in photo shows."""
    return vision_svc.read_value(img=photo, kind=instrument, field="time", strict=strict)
6:23
